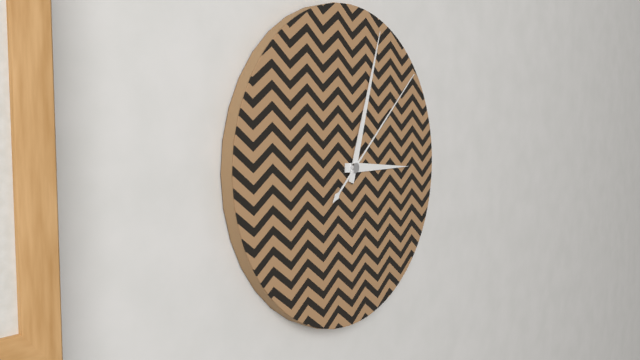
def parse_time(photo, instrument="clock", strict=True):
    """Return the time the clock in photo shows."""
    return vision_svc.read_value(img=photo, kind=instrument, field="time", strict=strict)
3:03:08
